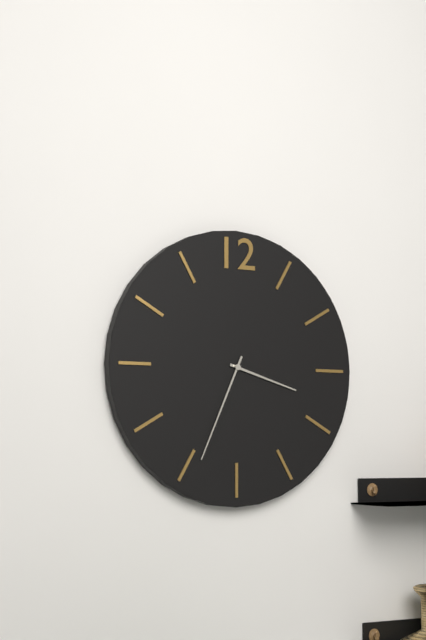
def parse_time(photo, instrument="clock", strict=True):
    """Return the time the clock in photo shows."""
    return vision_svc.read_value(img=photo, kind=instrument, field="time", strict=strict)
3:34
